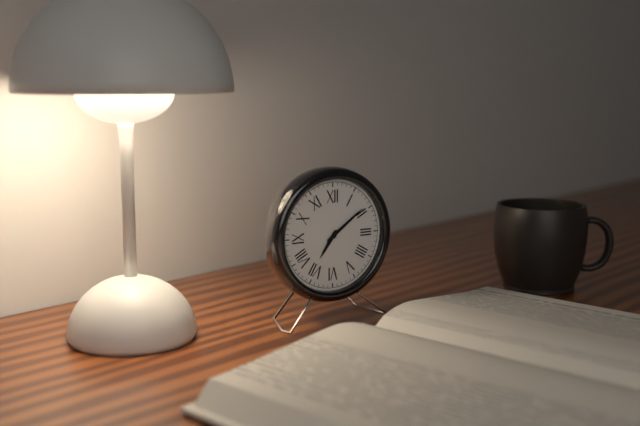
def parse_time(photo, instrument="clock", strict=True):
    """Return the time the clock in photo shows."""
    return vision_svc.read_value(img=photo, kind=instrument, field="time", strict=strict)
7:09
